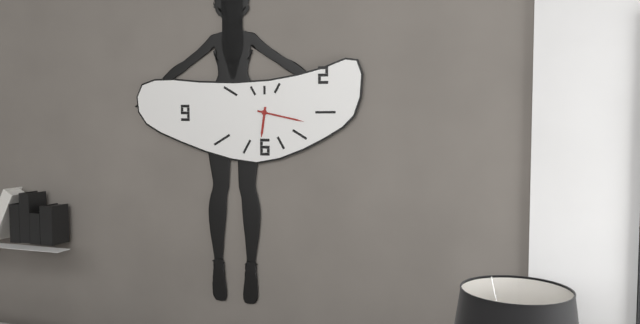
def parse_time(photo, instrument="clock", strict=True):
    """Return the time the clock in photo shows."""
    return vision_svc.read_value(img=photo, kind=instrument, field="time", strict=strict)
6:17
